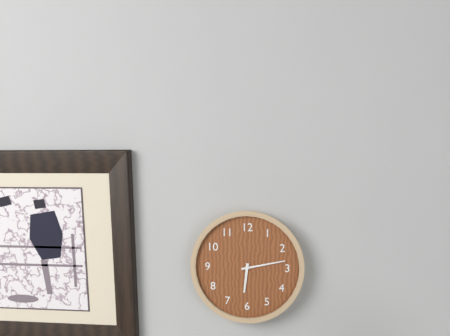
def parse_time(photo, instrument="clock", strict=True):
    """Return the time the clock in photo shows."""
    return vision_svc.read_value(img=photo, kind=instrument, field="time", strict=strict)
6:13
